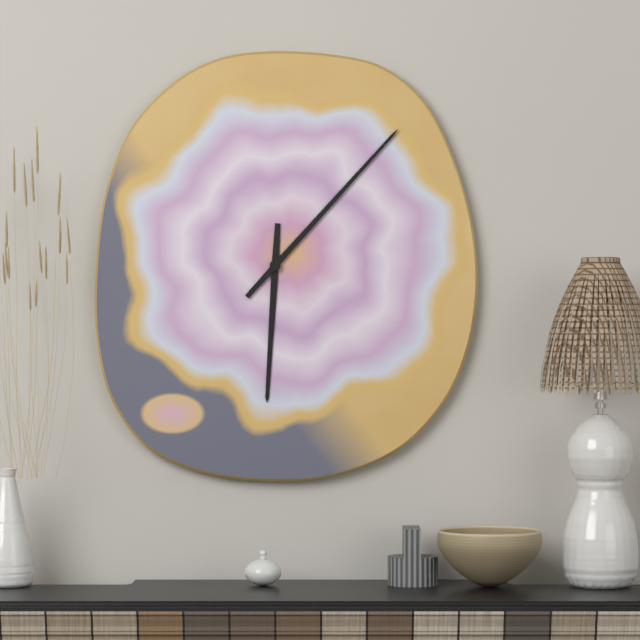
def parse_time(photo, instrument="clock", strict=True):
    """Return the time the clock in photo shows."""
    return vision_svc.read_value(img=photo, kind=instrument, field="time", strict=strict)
6:07
